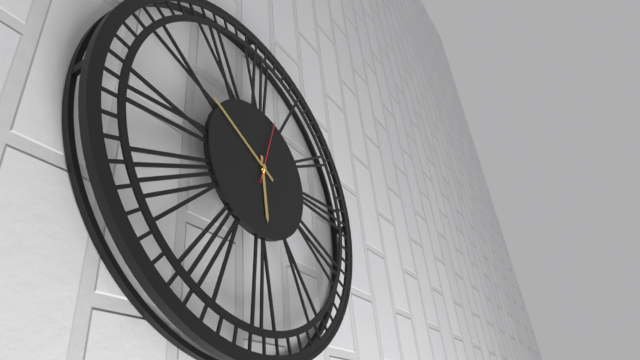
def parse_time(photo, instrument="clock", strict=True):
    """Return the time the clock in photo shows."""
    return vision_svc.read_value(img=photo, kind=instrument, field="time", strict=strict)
5:50:03
